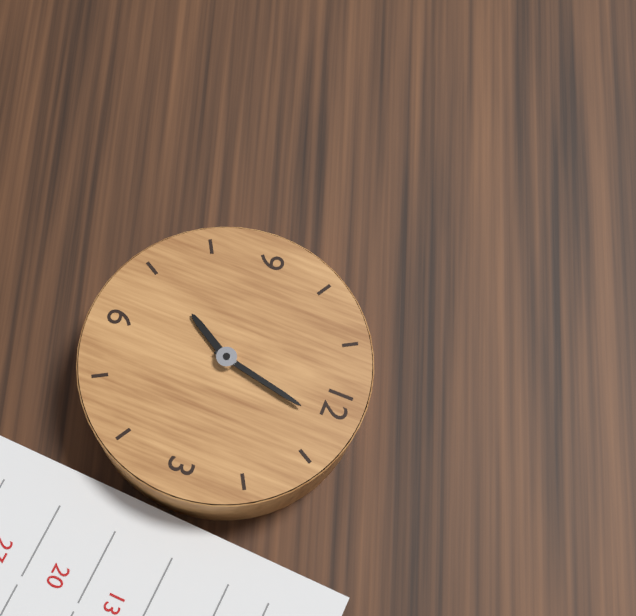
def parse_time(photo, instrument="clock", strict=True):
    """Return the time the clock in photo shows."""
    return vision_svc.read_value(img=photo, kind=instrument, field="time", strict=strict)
7:02
